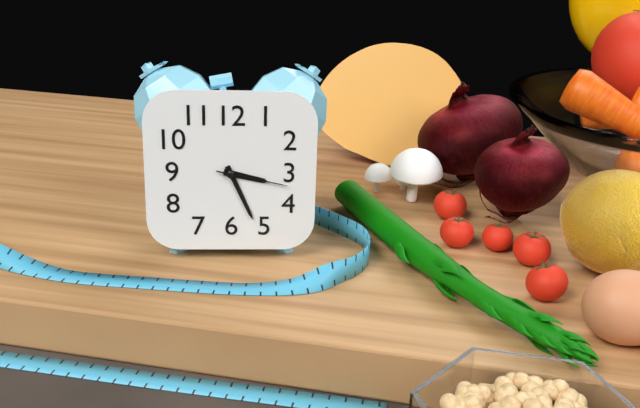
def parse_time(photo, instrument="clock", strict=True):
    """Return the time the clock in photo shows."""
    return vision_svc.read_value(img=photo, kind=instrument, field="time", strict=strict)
3:26:17
